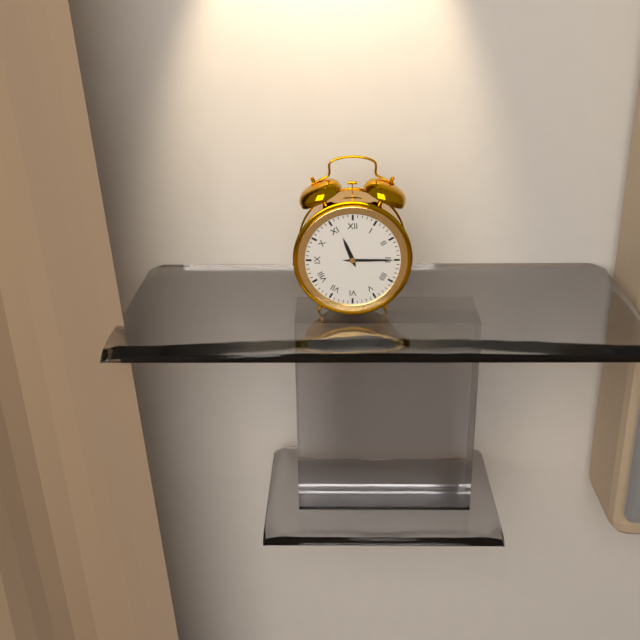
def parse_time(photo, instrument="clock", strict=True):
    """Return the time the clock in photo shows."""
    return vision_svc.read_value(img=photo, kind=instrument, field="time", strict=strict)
11:15
